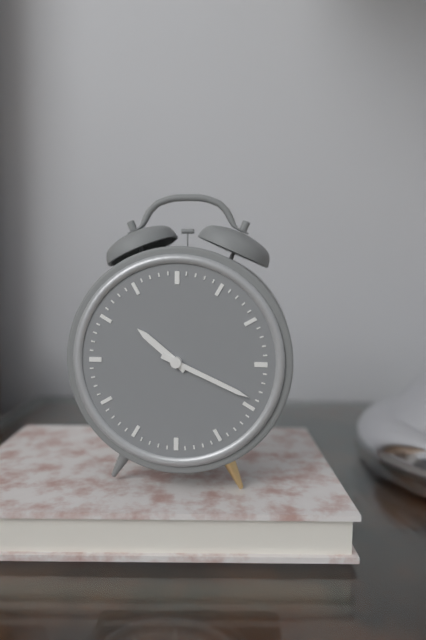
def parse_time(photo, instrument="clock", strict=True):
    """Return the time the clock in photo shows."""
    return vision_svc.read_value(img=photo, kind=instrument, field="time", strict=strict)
10:19
